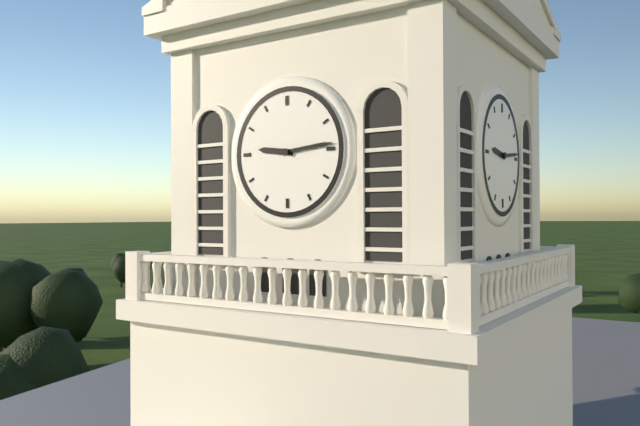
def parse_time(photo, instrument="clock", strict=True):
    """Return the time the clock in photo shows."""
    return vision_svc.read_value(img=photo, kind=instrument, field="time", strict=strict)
9:14
